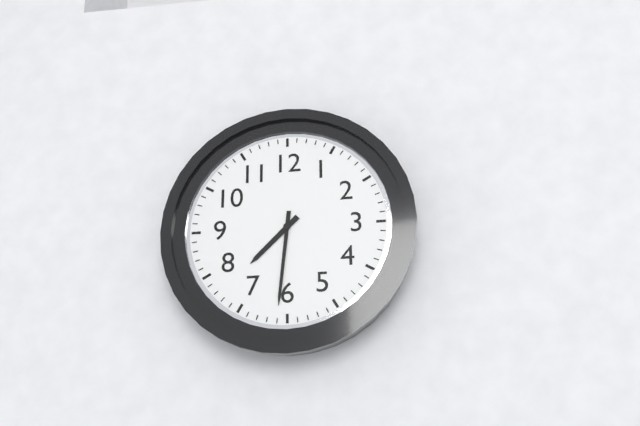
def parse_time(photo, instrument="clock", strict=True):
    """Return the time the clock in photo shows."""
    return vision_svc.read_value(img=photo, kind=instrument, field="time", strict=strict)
7:31
